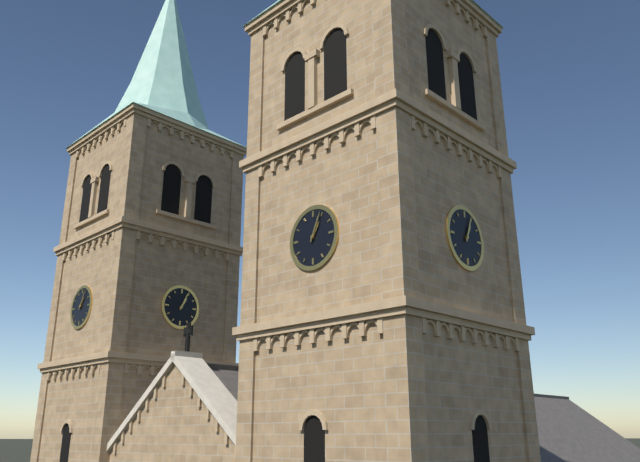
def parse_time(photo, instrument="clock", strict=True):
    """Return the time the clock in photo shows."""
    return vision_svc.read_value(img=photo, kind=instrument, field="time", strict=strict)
1:04
